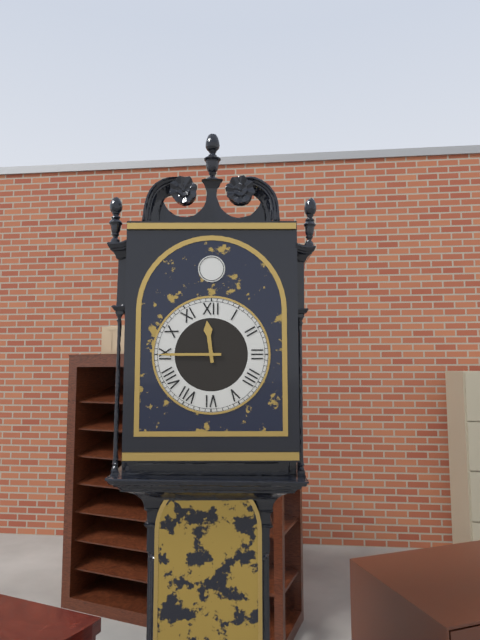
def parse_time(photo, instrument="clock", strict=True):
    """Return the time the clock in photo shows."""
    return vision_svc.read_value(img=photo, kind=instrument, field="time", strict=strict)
11:45
